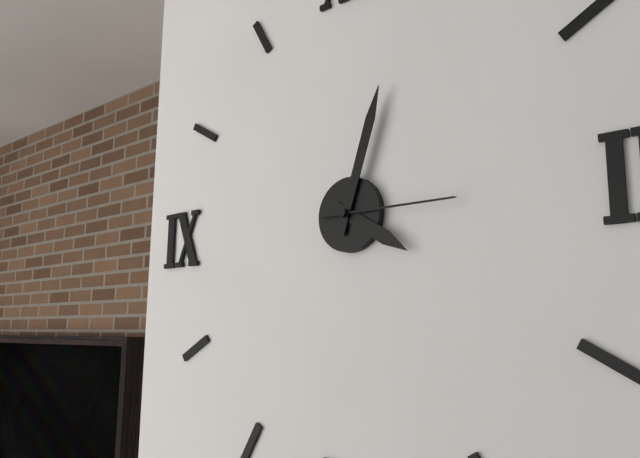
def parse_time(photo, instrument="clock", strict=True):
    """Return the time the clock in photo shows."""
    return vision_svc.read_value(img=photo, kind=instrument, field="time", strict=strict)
4:03:15
